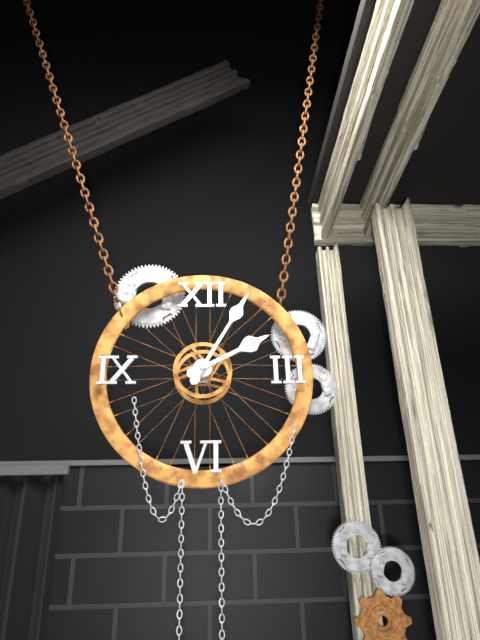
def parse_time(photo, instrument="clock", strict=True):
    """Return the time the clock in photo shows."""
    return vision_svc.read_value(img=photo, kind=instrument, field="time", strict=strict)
2:05
